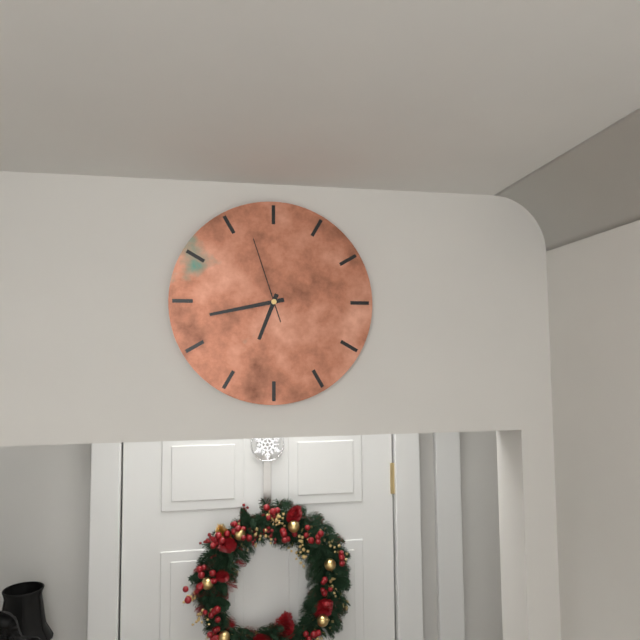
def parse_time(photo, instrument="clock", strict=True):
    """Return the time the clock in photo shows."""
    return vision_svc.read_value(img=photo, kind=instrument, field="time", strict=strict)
6:43:57
